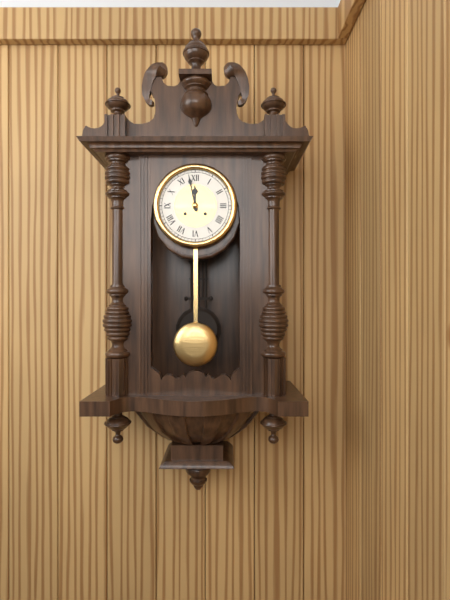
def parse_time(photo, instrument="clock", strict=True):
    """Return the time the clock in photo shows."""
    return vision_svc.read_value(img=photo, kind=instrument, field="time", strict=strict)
11:58
